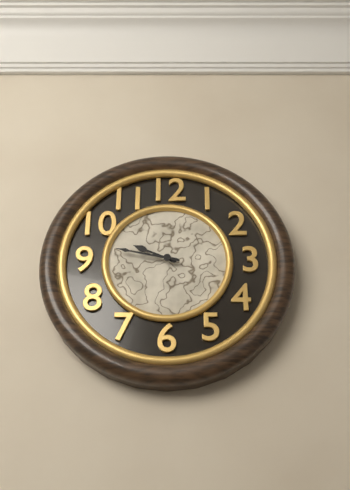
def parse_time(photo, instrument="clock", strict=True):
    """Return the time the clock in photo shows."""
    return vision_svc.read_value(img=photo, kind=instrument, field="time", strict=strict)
9:47
